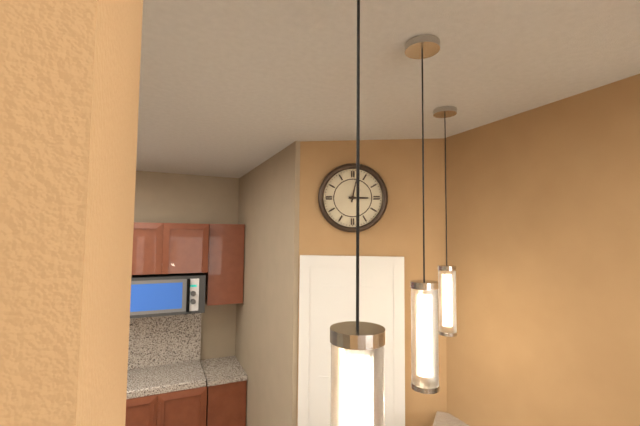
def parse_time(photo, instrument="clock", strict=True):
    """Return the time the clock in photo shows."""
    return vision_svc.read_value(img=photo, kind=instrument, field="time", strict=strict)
3:02
